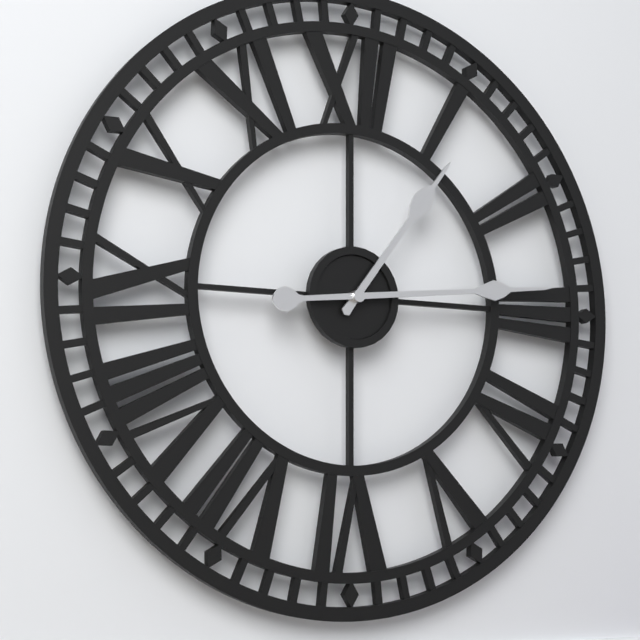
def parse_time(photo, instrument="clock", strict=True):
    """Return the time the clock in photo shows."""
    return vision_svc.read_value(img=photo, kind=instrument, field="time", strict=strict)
1:14
